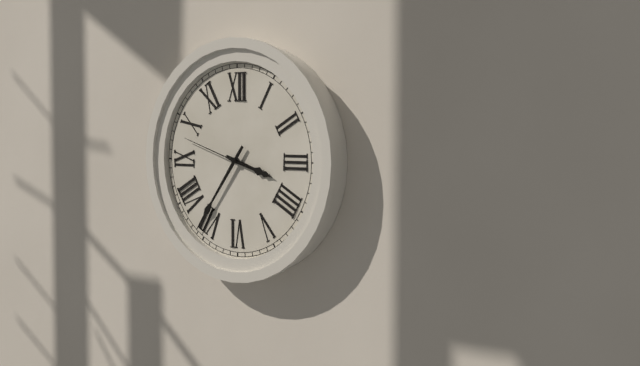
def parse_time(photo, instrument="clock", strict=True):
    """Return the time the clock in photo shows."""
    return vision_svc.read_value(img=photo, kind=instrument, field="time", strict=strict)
3:36:48
